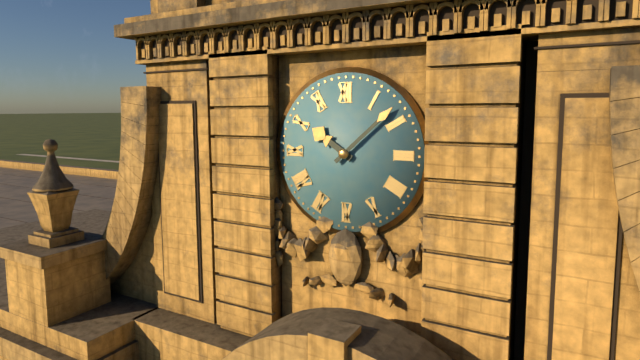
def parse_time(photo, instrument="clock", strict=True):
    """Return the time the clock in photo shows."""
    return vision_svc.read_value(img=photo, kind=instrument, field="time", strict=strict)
10:08
